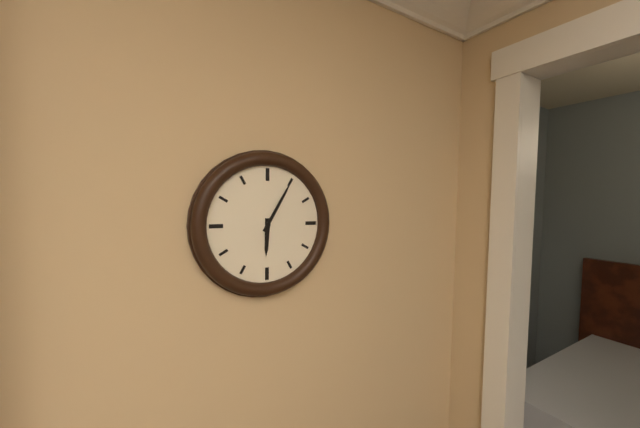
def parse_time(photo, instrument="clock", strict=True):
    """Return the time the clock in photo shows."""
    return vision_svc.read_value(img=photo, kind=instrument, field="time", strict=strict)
6:05
